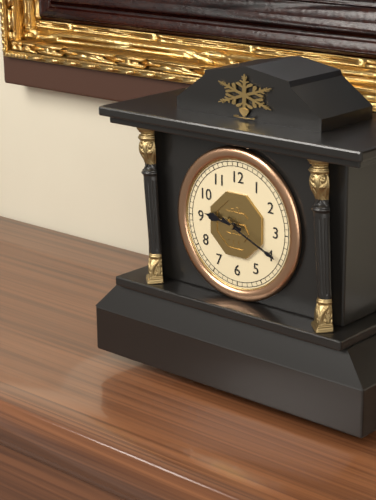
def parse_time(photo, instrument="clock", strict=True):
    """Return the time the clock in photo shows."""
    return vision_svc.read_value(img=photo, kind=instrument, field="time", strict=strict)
9:19
